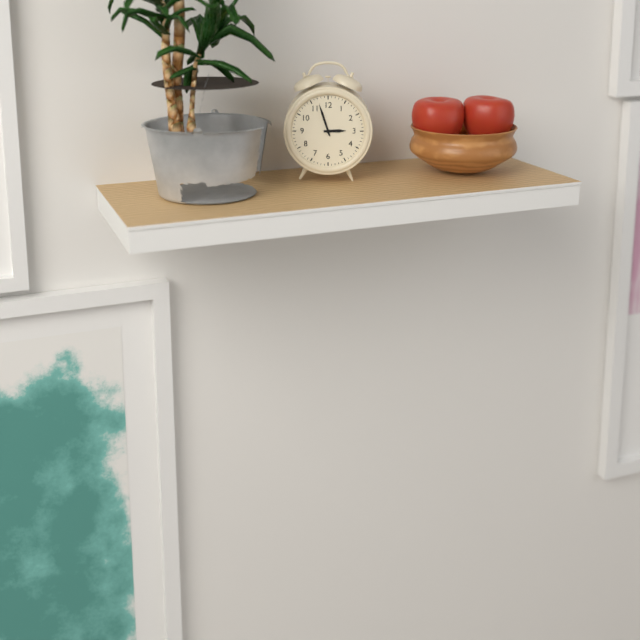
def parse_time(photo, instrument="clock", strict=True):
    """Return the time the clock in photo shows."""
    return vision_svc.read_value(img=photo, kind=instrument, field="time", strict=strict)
2:57
